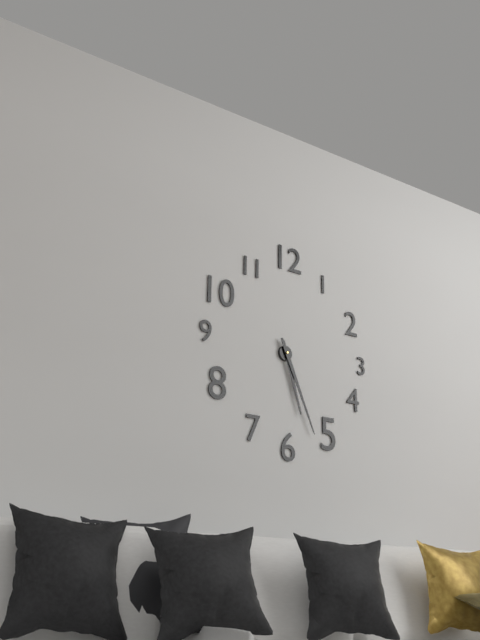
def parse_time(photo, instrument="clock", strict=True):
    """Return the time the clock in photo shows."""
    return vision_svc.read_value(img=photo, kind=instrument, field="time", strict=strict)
5:26
